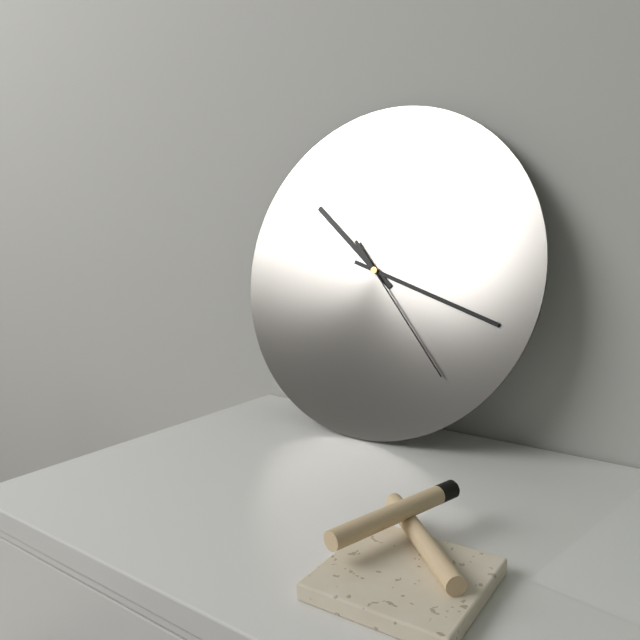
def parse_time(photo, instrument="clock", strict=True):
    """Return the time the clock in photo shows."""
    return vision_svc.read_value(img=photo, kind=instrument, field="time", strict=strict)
10:18:23
